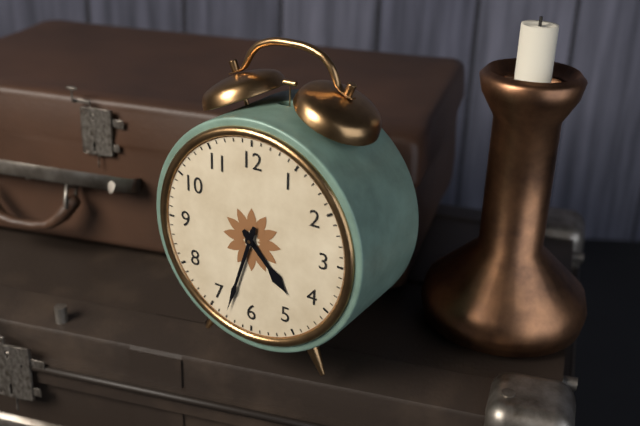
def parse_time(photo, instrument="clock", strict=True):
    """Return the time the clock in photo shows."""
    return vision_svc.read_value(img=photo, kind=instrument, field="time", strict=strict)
4:33
